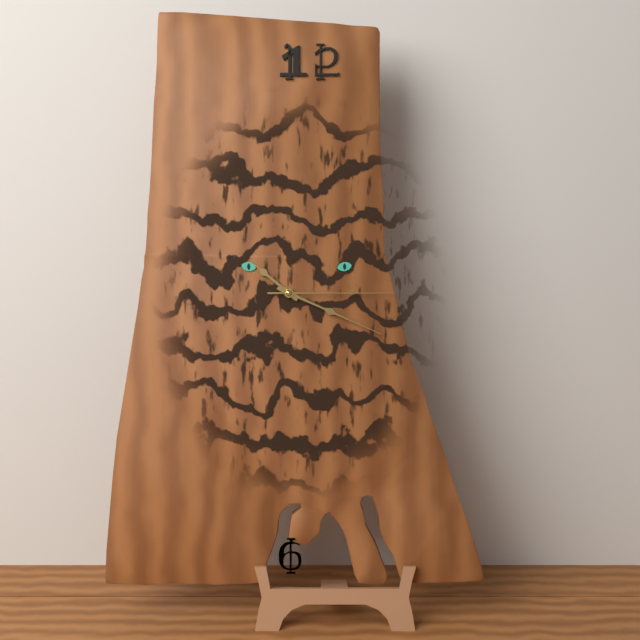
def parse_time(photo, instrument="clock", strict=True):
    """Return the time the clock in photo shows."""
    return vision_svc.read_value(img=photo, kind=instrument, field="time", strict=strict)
10:19:15
